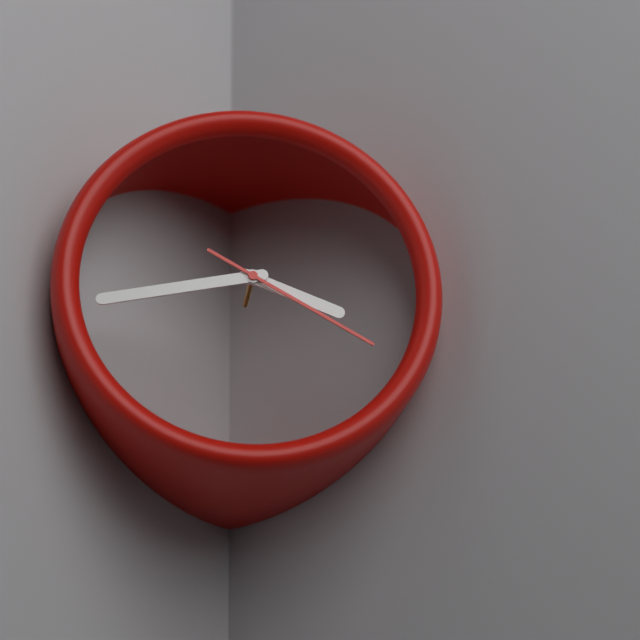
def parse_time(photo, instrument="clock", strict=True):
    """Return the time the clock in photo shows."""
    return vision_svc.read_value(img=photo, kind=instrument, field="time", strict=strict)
3:43:20
